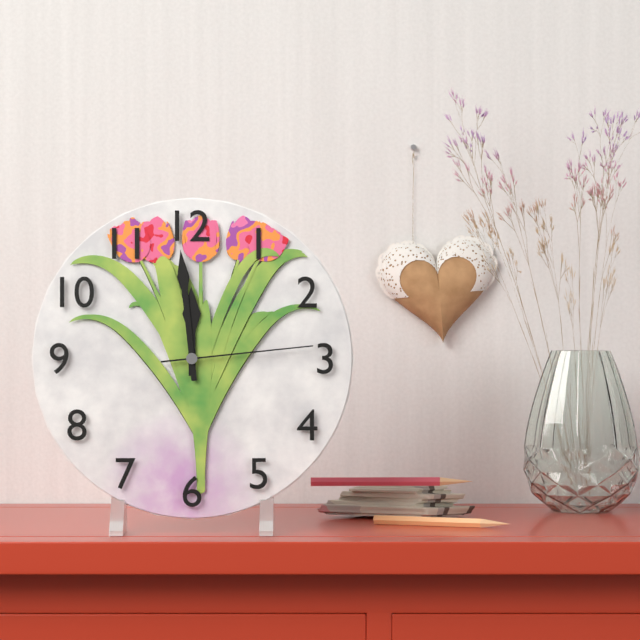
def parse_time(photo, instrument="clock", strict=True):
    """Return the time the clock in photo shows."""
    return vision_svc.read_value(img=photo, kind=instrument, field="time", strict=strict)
11:59:14
